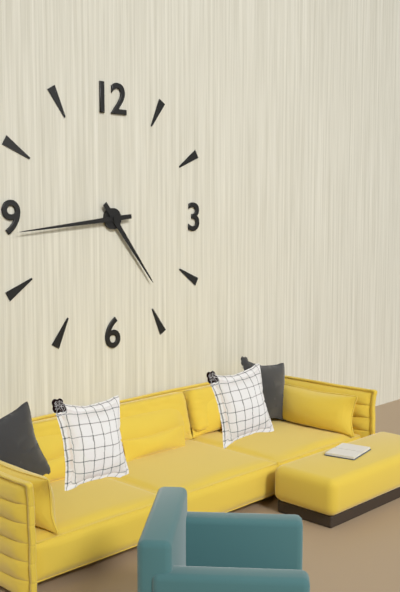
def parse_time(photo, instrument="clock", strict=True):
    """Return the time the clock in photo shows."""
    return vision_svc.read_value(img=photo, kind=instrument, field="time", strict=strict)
4:44
